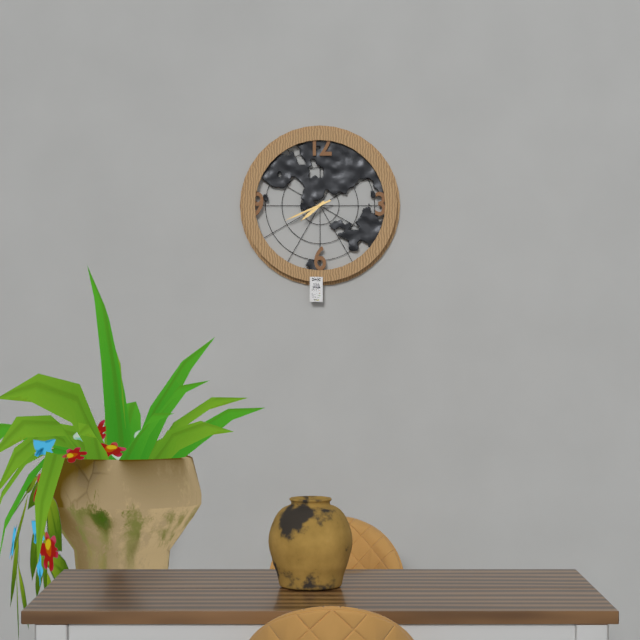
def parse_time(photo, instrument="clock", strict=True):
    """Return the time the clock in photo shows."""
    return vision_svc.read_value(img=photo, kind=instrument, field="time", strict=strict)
7:41
